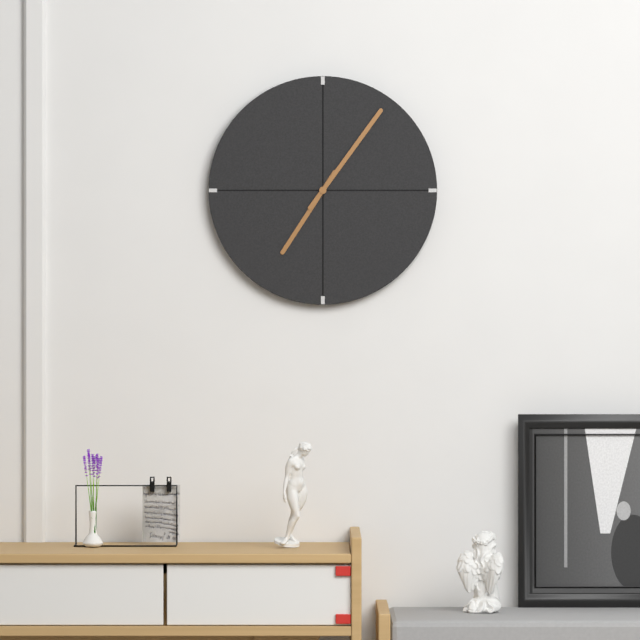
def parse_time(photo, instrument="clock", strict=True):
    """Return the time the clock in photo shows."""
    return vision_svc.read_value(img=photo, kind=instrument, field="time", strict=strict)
7:06
